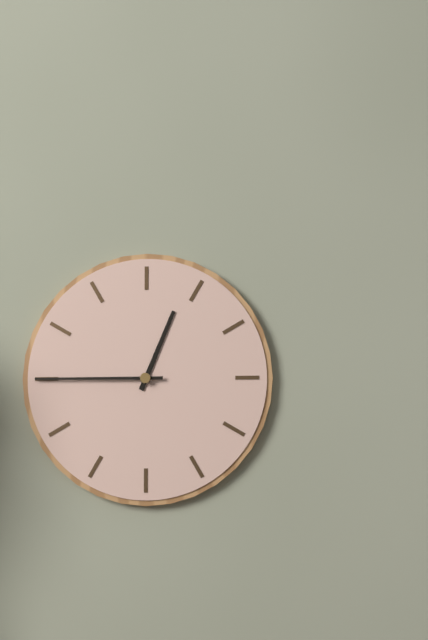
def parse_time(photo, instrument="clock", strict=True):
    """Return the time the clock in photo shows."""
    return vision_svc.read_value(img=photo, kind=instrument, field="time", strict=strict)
12:45
